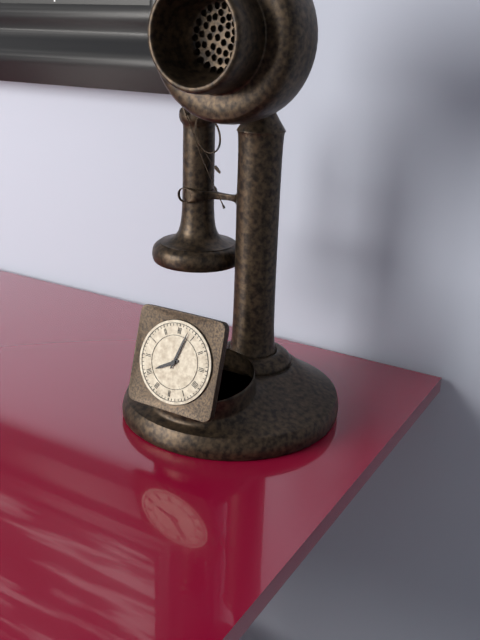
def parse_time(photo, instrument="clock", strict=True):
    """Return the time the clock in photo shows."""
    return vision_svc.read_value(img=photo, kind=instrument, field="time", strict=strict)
8:03
